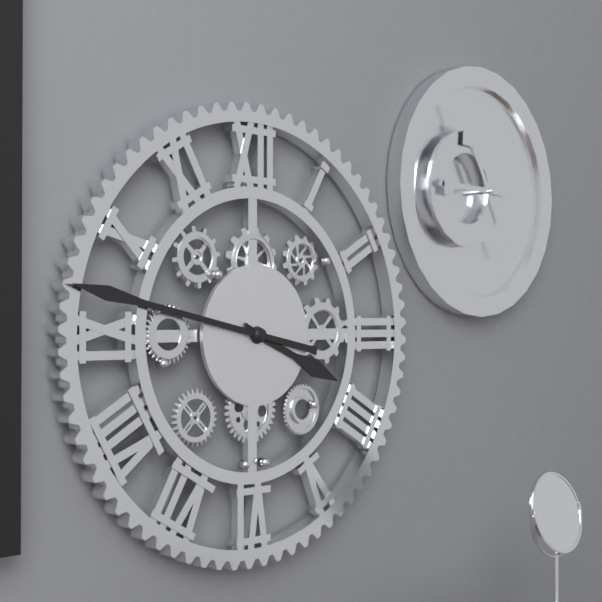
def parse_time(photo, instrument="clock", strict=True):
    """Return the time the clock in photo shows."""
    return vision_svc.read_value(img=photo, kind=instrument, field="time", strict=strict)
3:47
